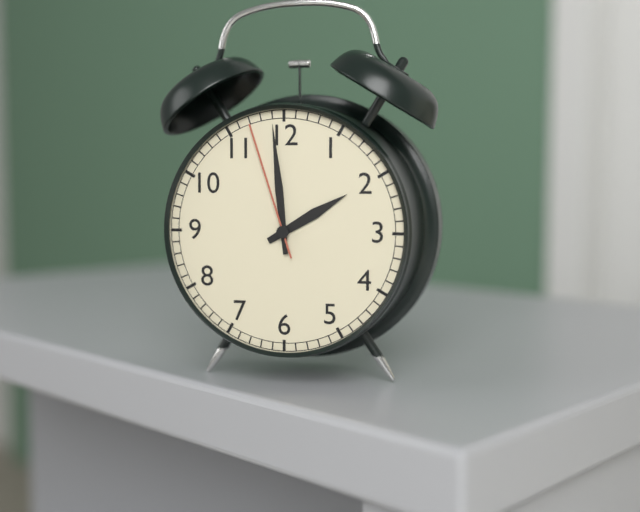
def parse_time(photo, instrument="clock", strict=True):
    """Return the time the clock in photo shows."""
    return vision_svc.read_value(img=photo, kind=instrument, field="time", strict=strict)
1:59:57
